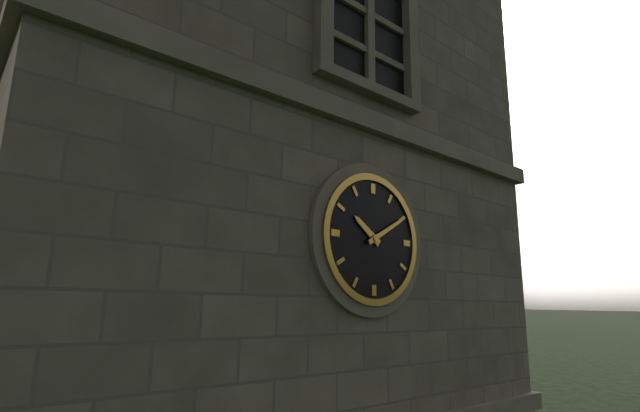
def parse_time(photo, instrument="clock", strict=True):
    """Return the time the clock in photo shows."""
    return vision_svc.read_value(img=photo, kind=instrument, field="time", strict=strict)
10:10
